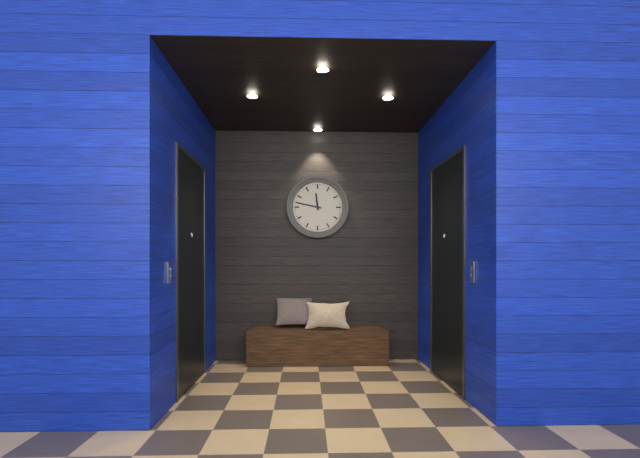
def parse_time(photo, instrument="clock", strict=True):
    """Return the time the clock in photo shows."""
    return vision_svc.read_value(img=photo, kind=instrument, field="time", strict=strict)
11:47
